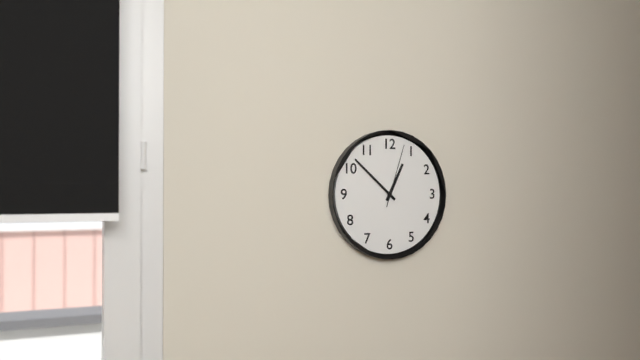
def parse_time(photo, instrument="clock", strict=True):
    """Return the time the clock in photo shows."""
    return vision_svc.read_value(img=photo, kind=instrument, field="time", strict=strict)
12:52:03
